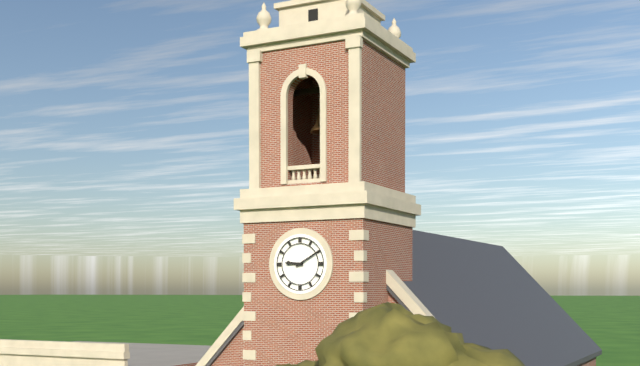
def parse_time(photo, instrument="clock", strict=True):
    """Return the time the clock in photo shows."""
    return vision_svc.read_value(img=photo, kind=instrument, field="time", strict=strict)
9:10
